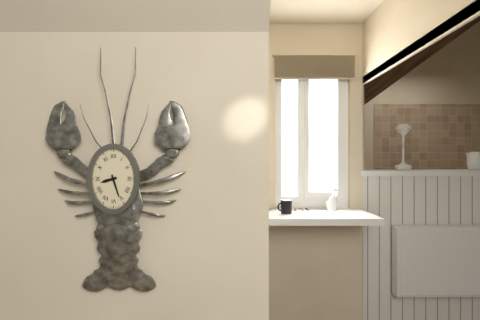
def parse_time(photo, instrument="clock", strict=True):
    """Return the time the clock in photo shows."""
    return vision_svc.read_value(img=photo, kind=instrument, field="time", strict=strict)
8:27
